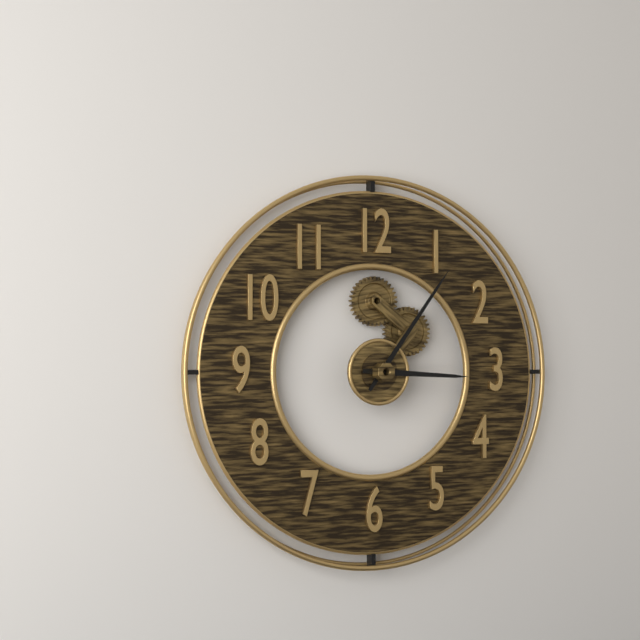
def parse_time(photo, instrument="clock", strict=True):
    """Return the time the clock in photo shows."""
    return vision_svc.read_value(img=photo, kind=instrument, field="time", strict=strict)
3:06
